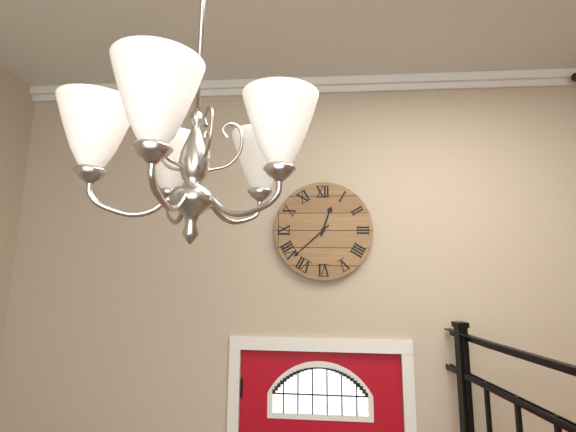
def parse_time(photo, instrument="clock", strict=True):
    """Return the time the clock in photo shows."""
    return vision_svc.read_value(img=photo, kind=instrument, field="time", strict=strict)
12:38
